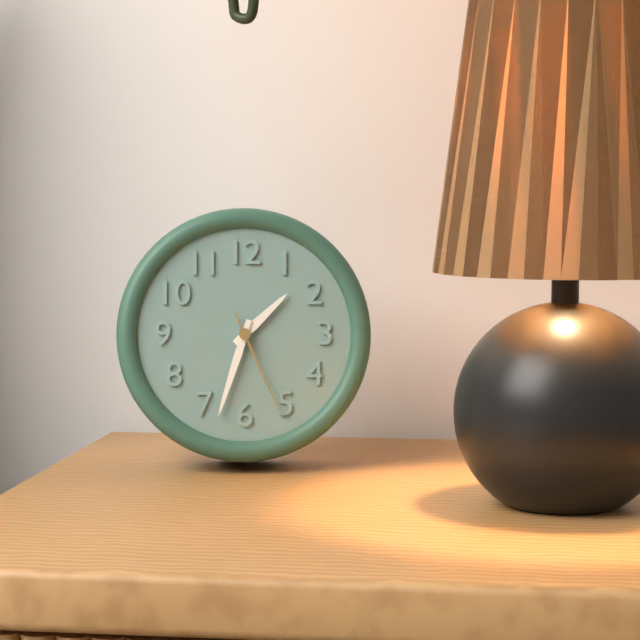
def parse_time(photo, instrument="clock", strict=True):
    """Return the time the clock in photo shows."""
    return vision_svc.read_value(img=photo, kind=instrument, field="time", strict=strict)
1:33:26
